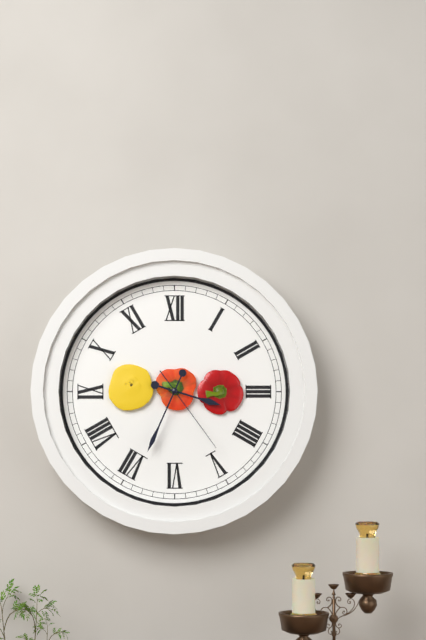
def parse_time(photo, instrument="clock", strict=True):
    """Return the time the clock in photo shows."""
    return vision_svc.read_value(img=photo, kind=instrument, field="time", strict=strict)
3:34:24
